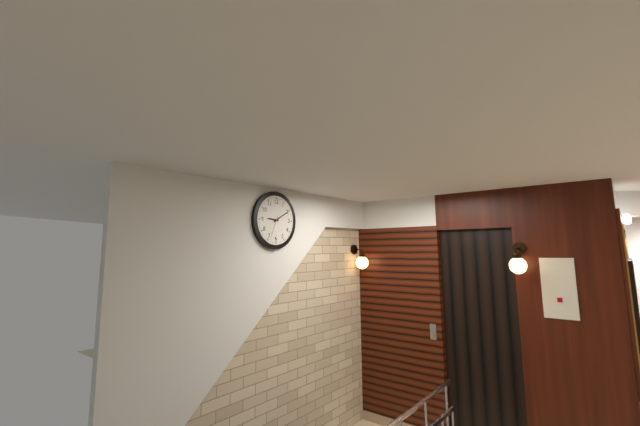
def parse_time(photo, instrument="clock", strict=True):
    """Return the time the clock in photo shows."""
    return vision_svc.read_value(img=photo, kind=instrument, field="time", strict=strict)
9:10
